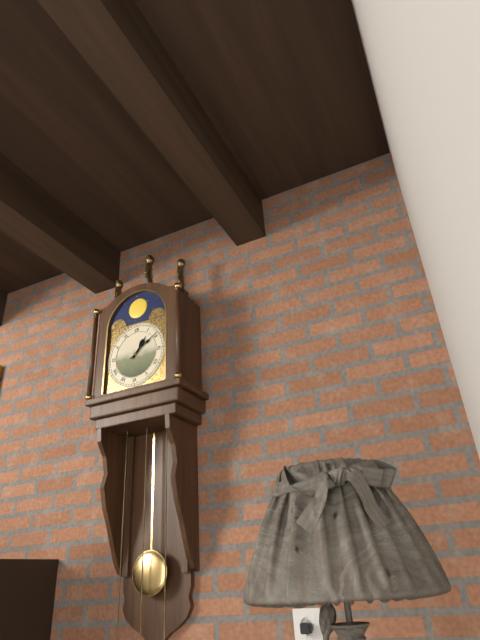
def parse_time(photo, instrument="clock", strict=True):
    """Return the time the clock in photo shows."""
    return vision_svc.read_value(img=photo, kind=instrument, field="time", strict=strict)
1:09
